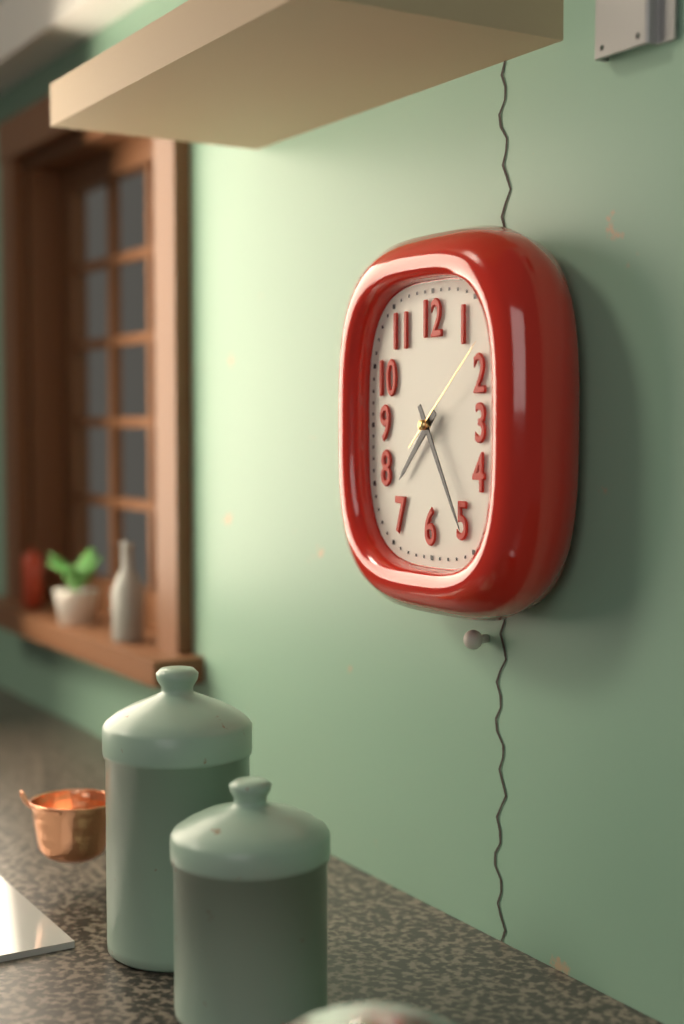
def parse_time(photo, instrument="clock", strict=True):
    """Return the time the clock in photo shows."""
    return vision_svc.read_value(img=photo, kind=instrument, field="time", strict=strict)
7:25:08
